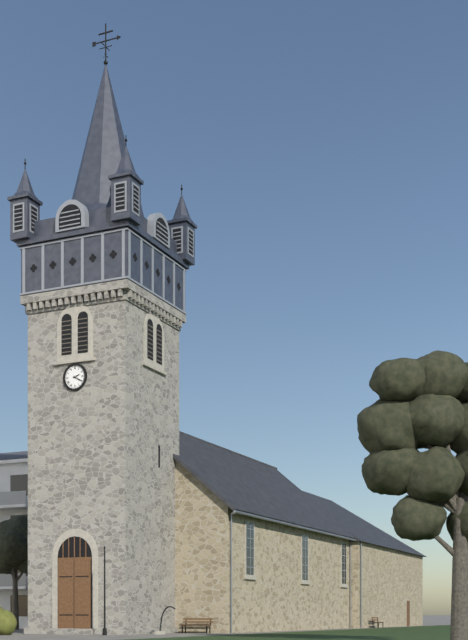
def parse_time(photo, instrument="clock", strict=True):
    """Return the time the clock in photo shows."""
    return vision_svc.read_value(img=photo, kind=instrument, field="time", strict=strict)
2:20
